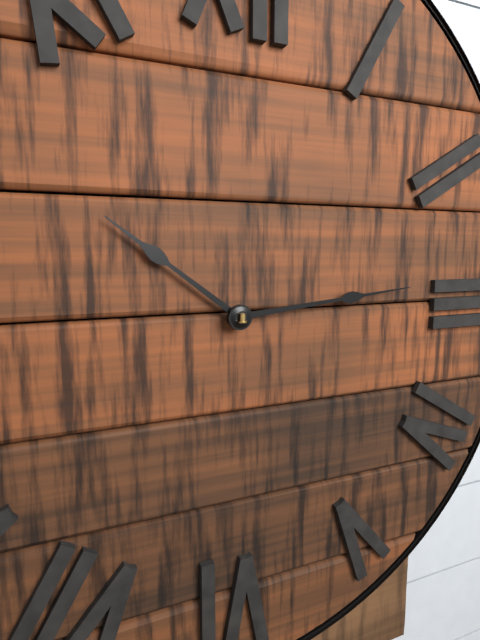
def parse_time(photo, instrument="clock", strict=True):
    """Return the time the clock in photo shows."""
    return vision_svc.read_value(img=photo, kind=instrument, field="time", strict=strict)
10:14
